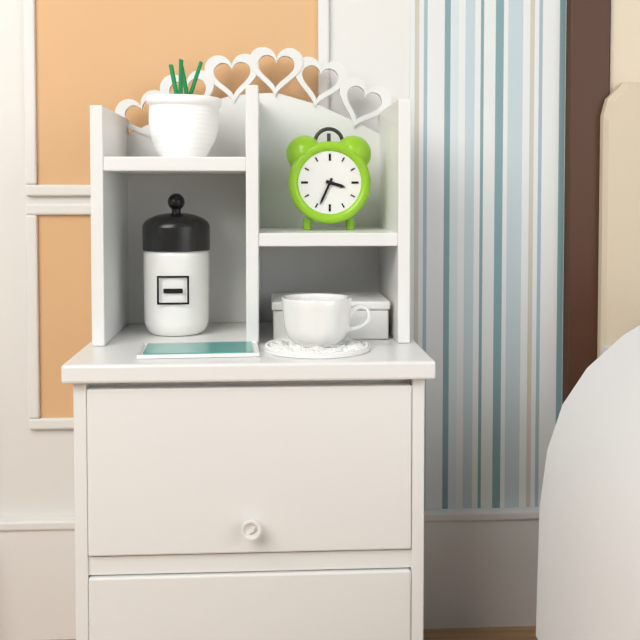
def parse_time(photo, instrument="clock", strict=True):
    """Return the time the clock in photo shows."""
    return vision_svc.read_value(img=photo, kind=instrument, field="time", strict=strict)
3:34
